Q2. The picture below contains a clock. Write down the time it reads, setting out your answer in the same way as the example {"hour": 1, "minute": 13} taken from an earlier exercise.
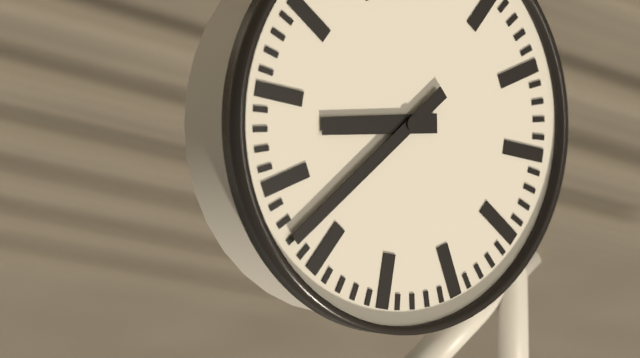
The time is {"hour": 8, "minute": 37}
